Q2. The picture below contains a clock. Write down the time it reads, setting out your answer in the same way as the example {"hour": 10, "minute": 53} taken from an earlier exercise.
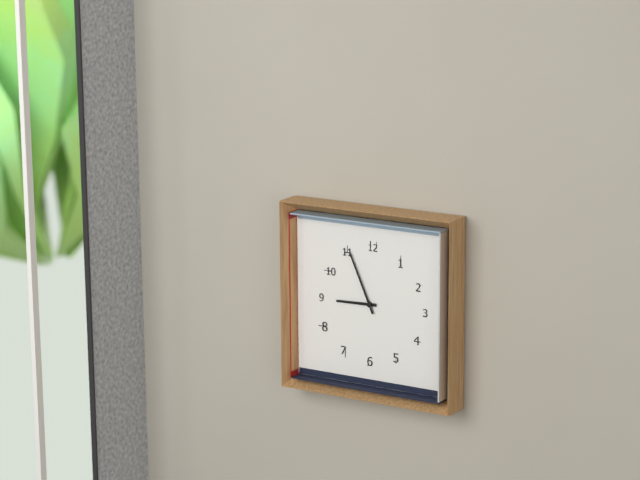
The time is {"hour": 8, "minute": 56}
